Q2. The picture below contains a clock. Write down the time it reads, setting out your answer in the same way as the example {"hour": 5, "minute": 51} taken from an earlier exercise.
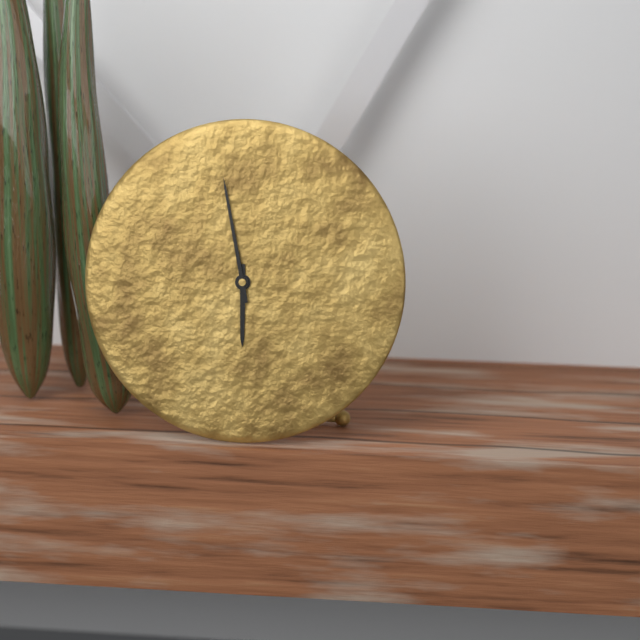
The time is {"hour": 5, "minute": 58}
